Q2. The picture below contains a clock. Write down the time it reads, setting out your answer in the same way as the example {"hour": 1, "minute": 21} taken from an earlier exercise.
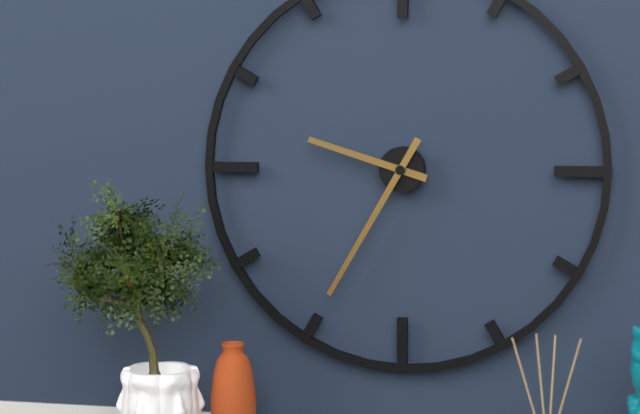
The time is {"hour": 9, "minute": 35}
